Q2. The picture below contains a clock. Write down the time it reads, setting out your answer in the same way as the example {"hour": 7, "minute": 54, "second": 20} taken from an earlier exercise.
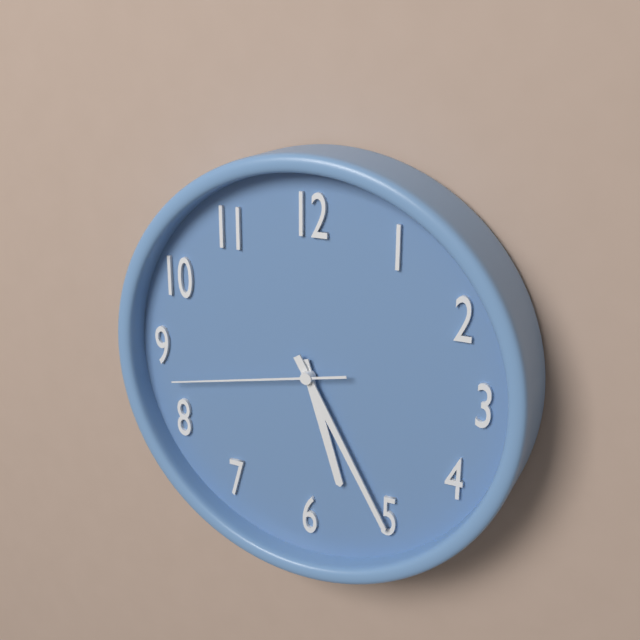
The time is {"hour": 5, "minute": 25, "second": 43}
